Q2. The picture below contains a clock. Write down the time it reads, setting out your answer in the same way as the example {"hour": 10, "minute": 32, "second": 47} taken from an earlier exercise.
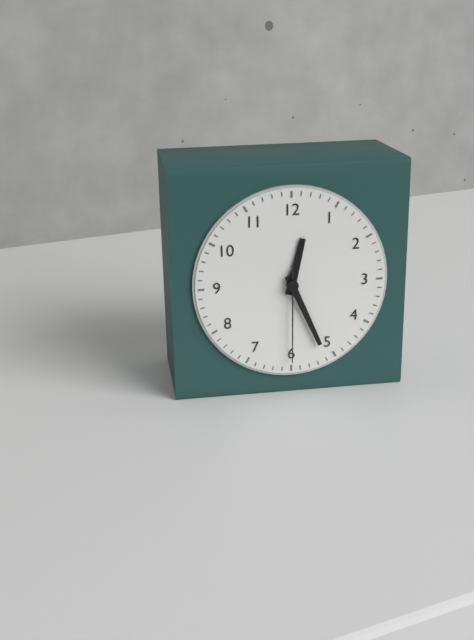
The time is {"hour": 12, "minute": 26, "second": 30}
